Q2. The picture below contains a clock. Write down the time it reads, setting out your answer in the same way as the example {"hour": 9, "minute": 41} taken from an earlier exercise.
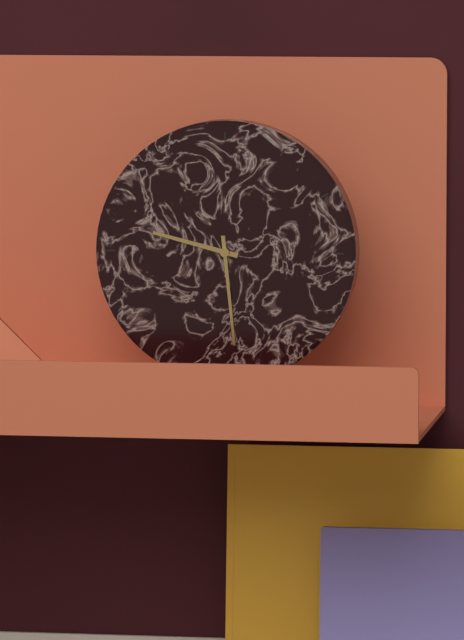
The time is {"hour": 9, "minute": 29}
